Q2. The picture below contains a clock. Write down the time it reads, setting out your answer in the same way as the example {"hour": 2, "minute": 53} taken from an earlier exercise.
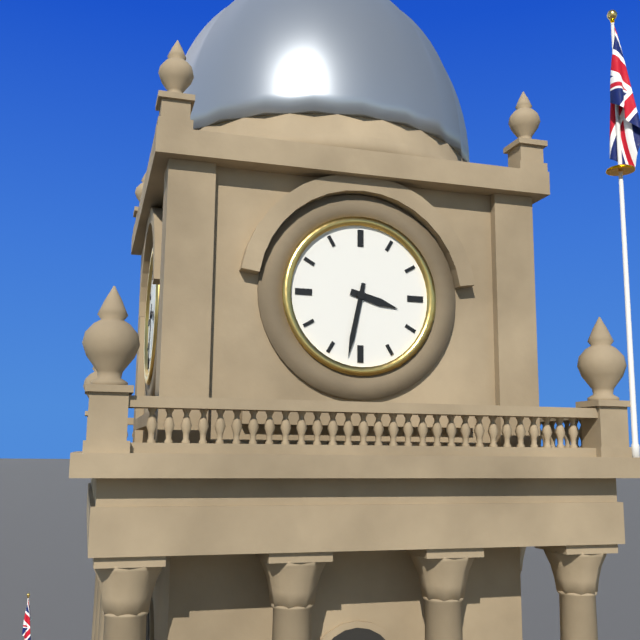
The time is {"hour": 3, "minute": 32}
